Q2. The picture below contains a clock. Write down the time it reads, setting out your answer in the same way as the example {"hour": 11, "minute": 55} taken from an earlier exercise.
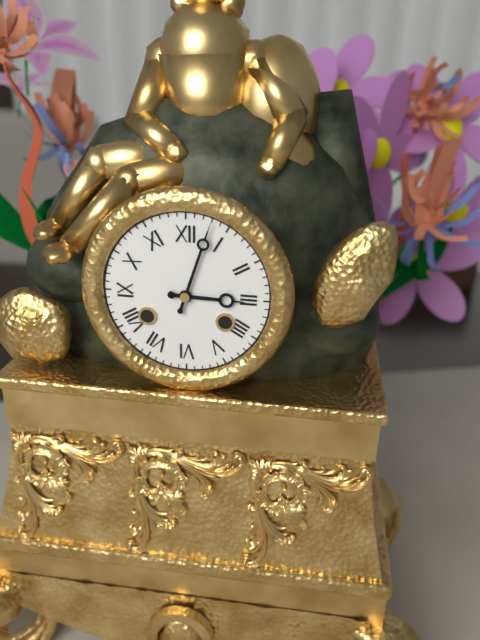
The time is {"hour": 3, "minute": 3}
